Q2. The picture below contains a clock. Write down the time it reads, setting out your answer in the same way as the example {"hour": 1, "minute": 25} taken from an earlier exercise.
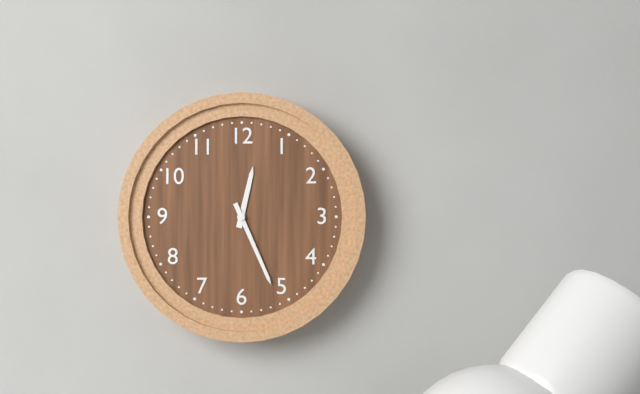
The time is {"hour": 12, "minute": 26}
